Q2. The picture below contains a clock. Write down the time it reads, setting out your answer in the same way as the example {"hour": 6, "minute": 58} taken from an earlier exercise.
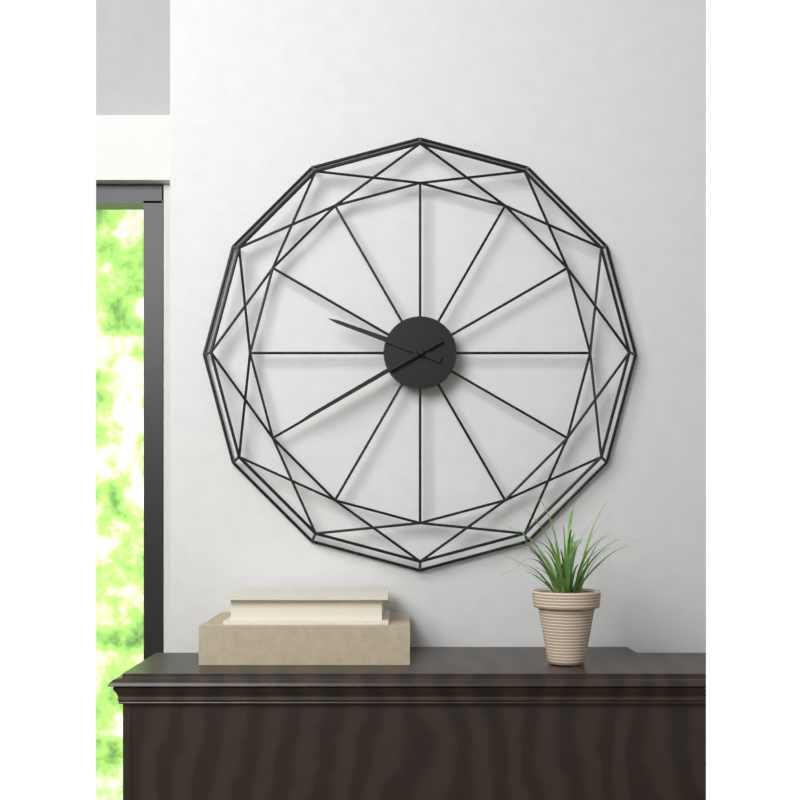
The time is {"hour": 9, "minute": 40}
